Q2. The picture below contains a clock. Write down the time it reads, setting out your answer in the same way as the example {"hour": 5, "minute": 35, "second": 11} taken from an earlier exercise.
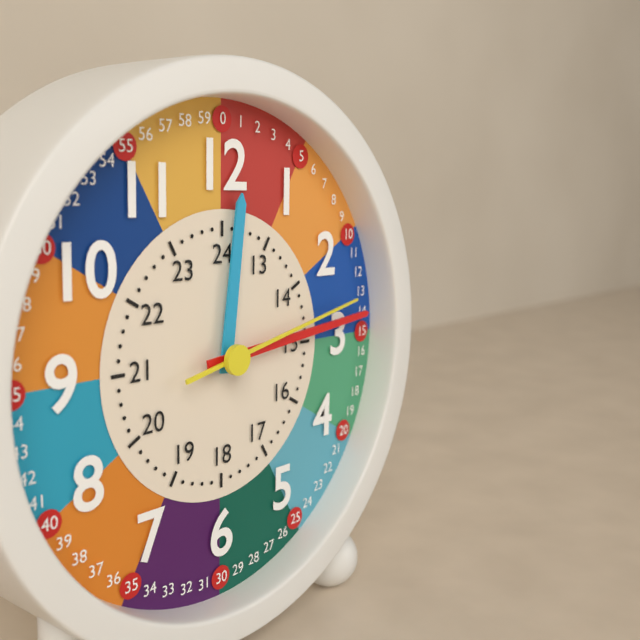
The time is {"hour": 12, "minute": 14, "second": 13}
